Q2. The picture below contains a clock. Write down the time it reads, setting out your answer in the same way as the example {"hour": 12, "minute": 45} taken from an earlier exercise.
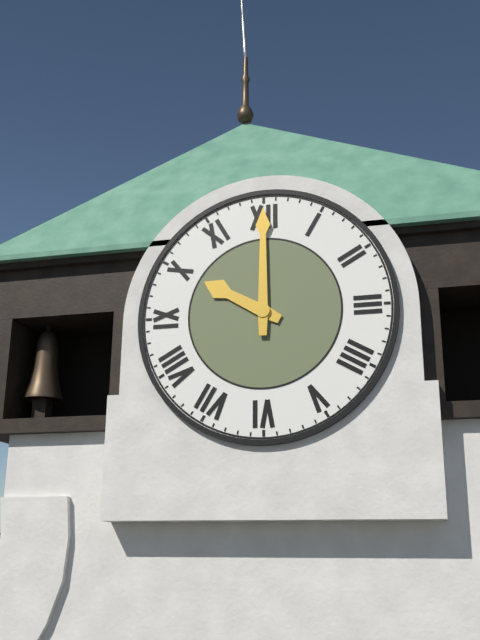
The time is {"hour": 10, "minute": 0}
